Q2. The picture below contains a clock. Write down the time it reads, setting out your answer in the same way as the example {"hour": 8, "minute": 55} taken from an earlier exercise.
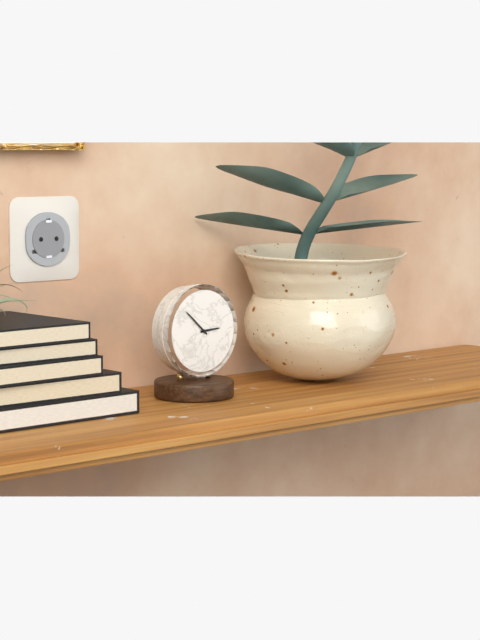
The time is {"hour": 2, "minute": 52}
